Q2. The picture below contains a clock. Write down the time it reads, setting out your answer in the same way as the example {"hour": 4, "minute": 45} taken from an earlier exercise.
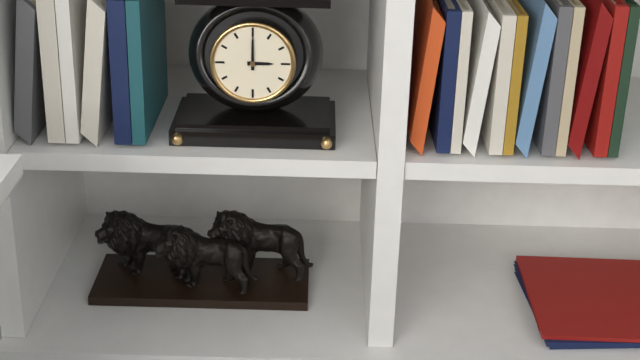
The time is {"hour": 3, "minute": 0}
